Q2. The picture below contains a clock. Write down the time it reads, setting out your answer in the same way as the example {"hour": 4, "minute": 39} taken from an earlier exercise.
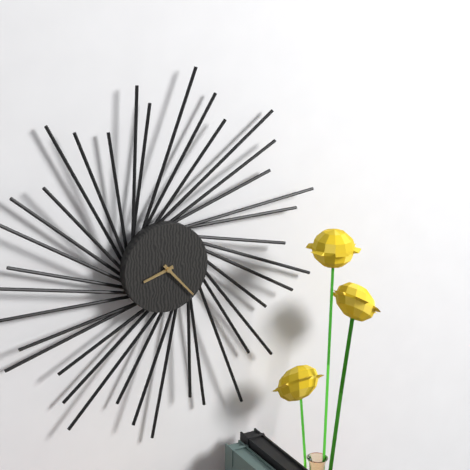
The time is {"hour": 8, "minute": 23}
